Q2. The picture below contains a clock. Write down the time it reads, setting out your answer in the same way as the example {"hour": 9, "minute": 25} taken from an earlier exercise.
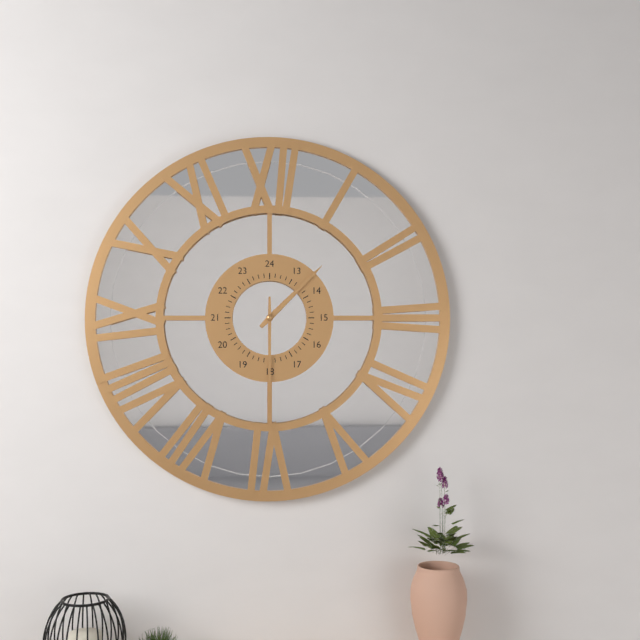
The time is {"hour": 1, "minute": 30}
